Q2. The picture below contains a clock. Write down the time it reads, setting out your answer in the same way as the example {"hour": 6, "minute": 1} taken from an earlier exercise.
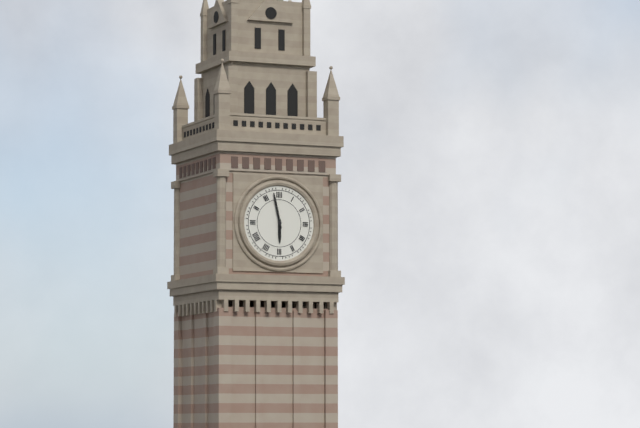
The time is {"hour": 5, "minute": 58}
